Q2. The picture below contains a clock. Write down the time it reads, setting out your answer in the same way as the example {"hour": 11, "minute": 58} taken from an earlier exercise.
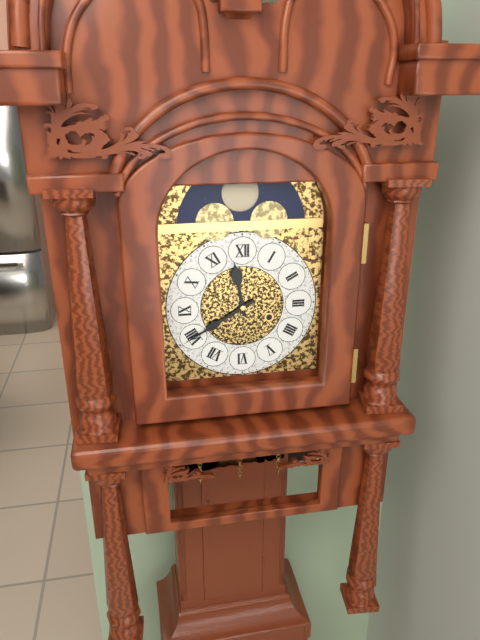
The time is {"hour": 11, "minute": 40}
